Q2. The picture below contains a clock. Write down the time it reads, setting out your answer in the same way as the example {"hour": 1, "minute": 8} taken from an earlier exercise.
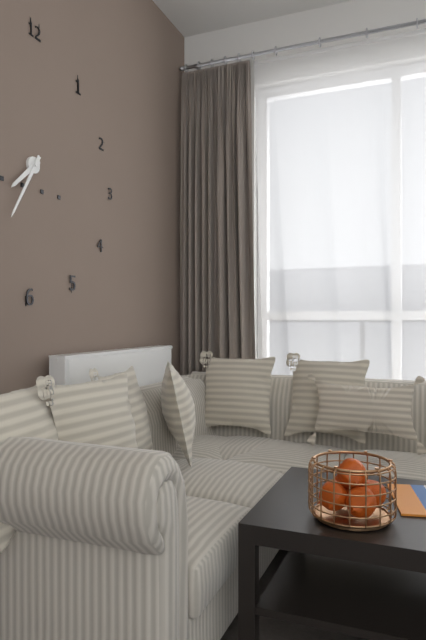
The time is {"hour": 7, "minute": 35}
